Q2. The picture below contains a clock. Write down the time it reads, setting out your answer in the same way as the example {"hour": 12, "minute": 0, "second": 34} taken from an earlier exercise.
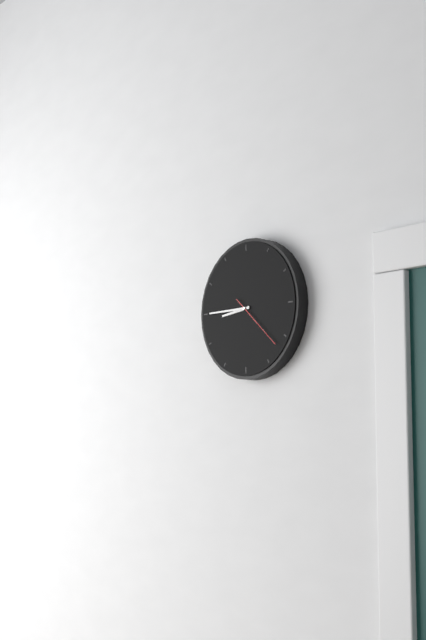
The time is {"hour": 8, "minute": 45, "second": 22}
